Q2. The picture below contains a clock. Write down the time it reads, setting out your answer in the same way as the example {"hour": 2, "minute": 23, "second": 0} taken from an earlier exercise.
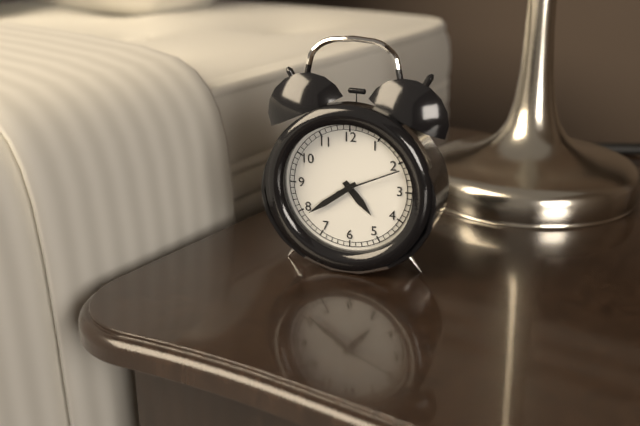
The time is {"hour": 4, "minute": 39, "second": 11}
